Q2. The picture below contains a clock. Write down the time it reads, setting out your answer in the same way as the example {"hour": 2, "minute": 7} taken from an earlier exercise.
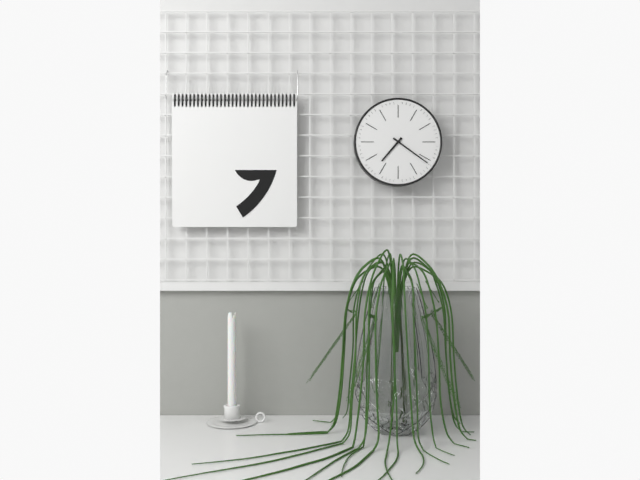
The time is {"hour": 7, "minute": 21}
